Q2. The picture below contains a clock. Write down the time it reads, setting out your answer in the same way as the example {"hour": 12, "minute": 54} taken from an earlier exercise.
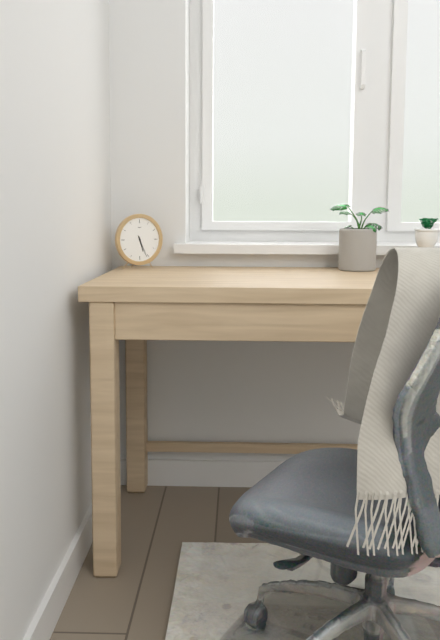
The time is {"hour": 5, "minute": 26}
